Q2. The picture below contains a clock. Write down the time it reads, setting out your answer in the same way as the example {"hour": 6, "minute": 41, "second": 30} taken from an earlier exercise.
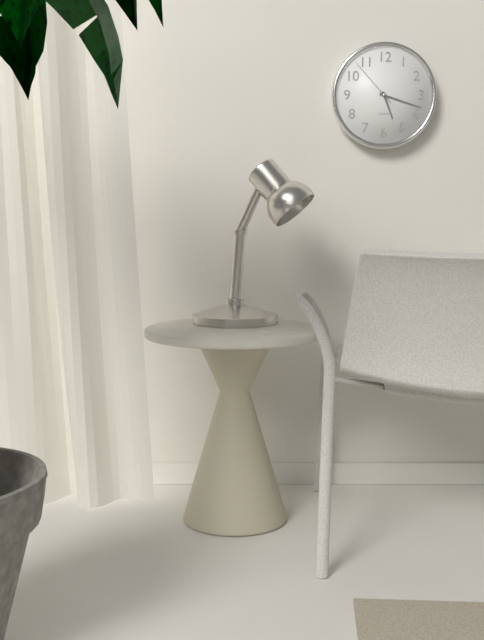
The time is {"hour": 5, "minute": 18, "second": 53}
